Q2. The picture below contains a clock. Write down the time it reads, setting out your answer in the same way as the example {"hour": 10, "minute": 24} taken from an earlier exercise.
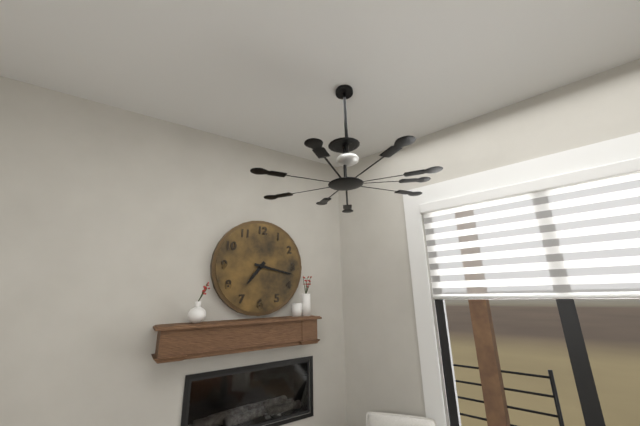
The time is {"hour": 7, "minute": 17}
